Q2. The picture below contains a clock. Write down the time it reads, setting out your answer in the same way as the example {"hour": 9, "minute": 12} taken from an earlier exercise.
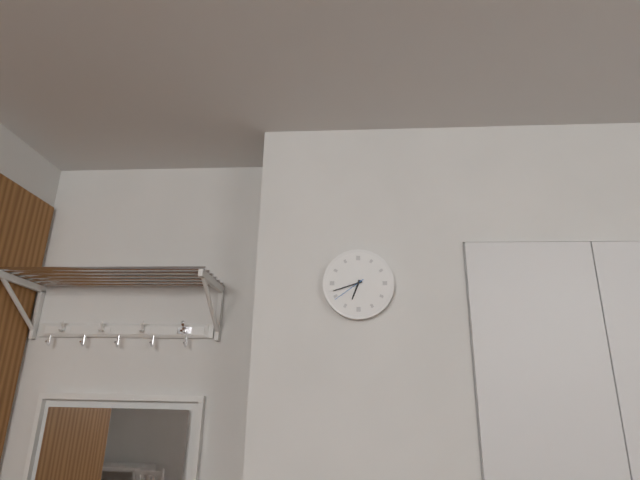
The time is {"hour": 6, "minute": 42}
